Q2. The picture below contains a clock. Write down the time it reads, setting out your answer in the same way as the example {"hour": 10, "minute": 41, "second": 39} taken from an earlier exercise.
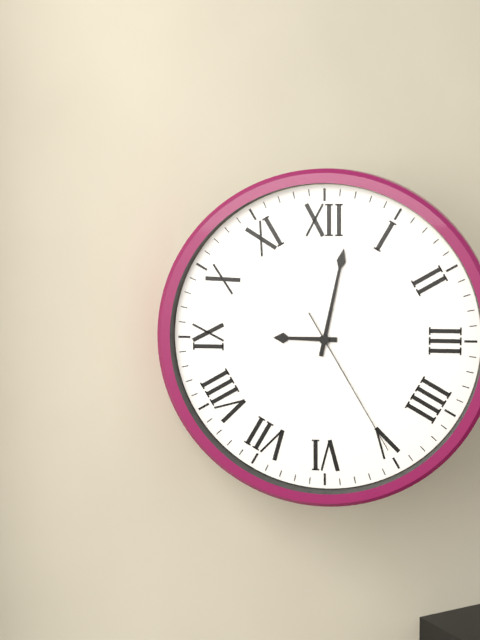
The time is {"hour": 9, "minute": 2, "second": 25}
